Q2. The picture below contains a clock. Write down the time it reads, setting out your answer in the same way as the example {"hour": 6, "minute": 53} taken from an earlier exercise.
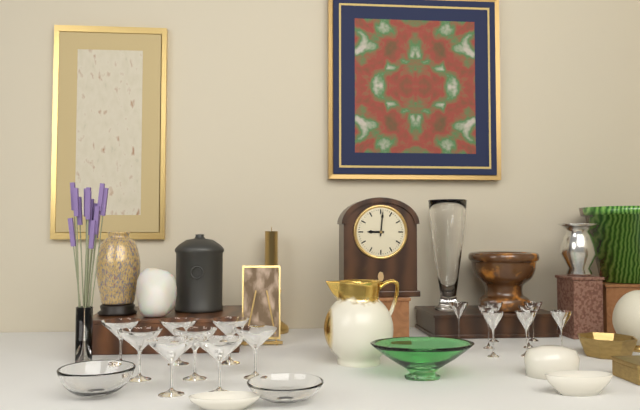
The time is {"hour": 9, "minute": 1}
